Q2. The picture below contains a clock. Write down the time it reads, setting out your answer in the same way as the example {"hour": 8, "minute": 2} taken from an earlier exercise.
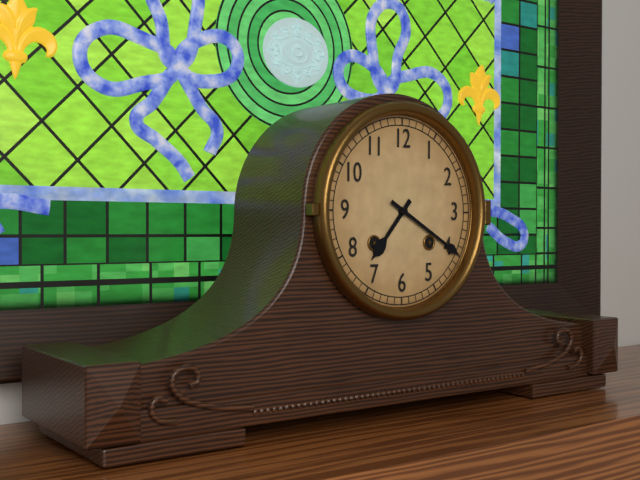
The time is {"hour": 7, "minute": 20}
